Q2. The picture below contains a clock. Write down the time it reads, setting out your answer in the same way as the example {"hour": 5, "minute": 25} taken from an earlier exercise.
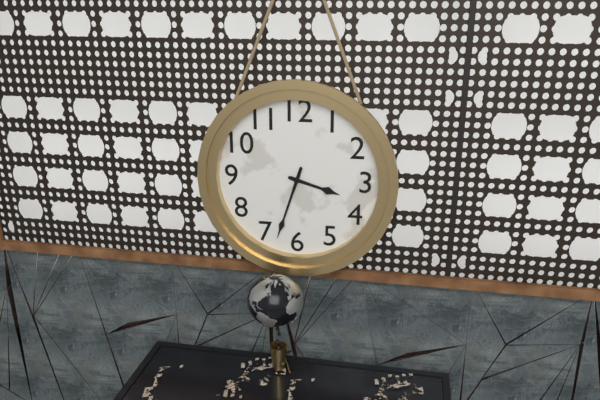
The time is {"hour": 3, "minute": 33}
